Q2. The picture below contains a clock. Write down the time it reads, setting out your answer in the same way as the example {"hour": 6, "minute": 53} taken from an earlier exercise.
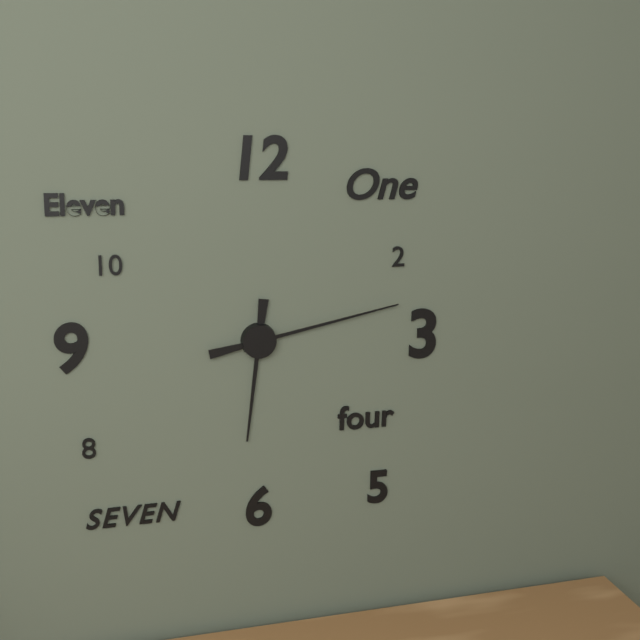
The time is {"hour": 6, "minute": 13}
